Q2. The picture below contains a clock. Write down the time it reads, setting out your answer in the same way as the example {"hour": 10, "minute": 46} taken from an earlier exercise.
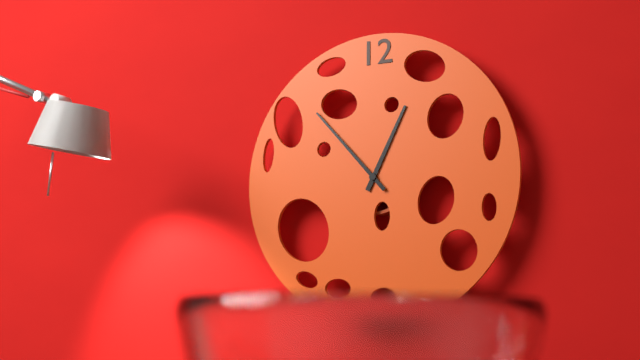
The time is {"hour": 12, "minute": 53}
